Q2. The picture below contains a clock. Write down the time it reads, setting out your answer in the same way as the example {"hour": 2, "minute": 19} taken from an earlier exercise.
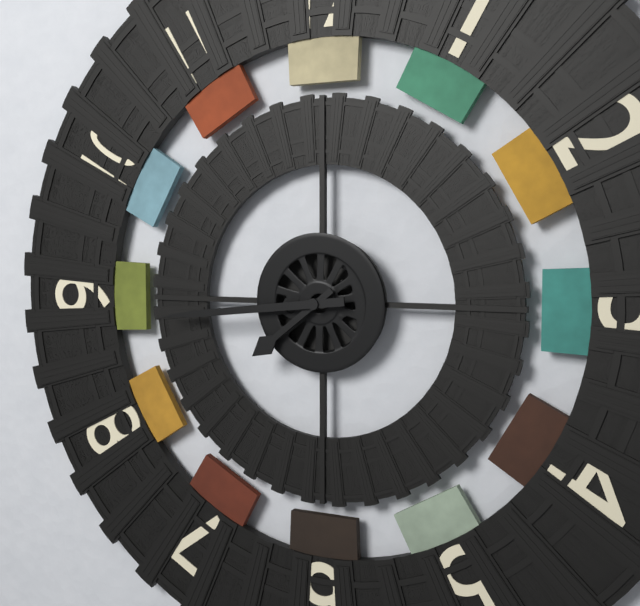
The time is {"hour": 7, "minute": 44}
